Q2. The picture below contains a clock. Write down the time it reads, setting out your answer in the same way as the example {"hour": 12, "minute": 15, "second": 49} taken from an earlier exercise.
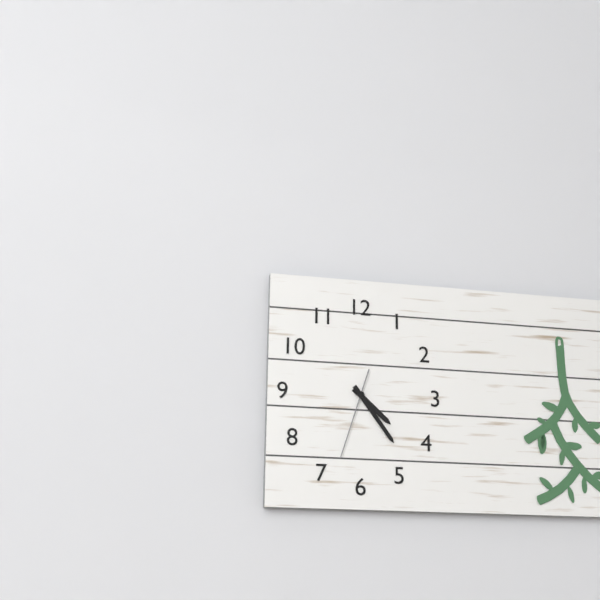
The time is {"hour": 4, "minute": 24, "second": 33}
